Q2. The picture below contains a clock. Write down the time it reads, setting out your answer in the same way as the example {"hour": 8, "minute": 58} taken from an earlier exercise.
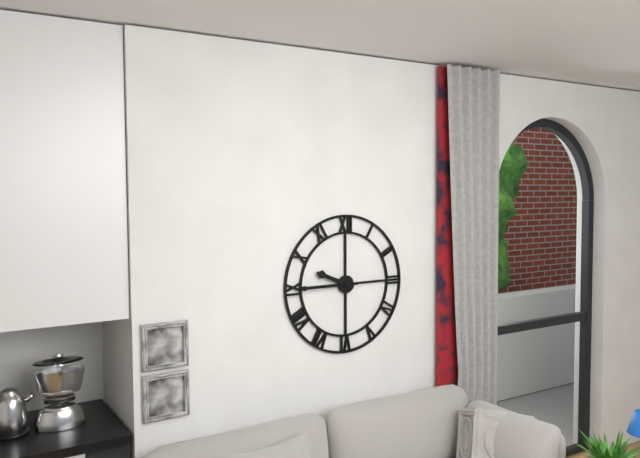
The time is {"hour": 9, "minute": 45}
